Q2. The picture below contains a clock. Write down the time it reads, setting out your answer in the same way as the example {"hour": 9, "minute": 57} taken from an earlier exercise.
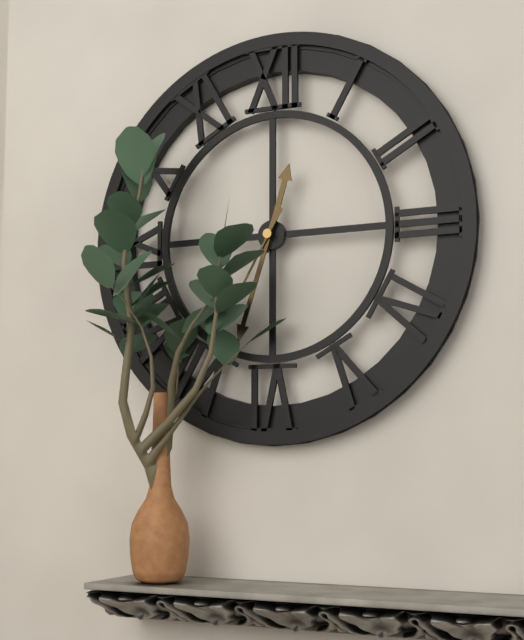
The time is {"hour": 12, "minute": 33}
